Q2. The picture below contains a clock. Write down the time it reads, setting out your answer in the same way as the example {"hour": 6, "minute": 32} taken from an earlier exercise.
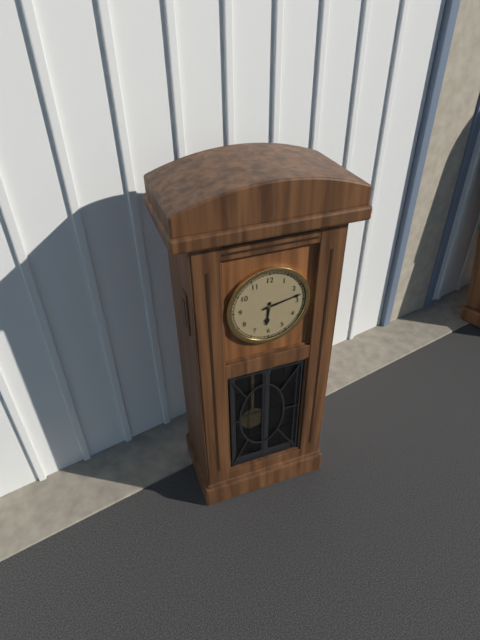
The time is {"hour": 6, "minute": 13}
